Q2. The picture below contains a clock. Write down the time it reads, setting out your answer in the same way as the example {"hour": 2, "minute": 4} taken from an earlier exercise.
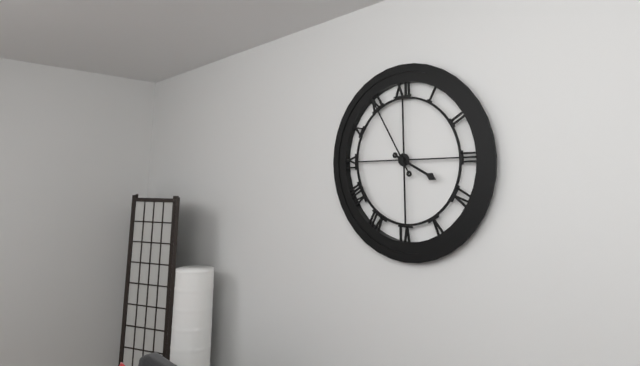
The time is {"hour": 3, "minute": 55}
